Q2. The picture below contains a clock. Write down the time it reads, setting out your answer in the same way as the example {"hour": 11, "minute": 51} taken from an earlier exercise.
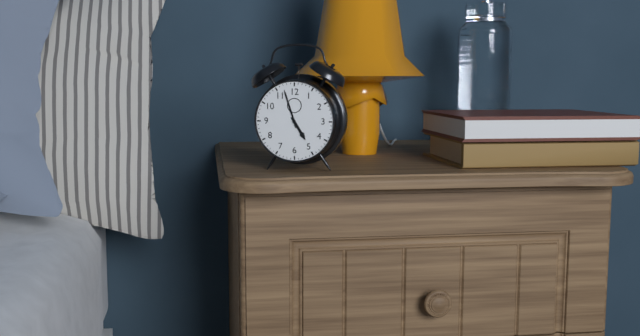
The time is {"hour": 4, "minute": 57}
